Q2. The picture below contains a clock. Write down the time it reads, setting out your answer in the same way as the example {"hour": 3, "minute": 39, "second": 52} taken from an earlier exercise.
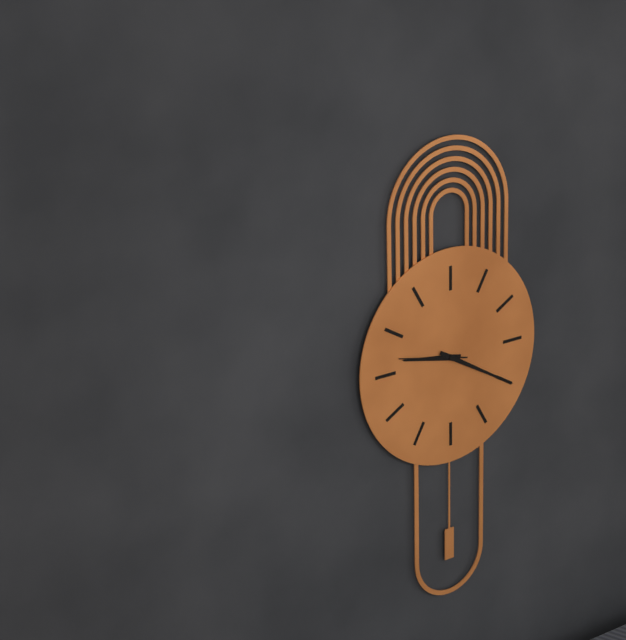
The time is {"hour": 9, "minute": 20, "second": 47}
